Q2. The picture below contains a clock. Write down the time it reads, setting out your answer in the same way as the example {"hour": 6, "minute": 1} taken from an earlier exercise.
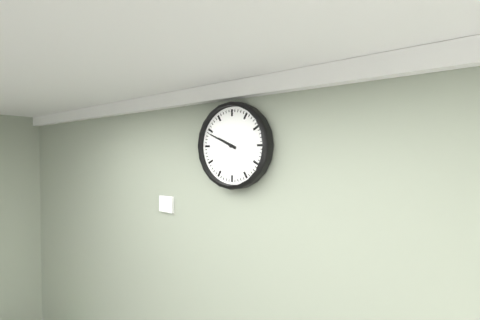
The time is {"hour": 9, "minute": 49}
